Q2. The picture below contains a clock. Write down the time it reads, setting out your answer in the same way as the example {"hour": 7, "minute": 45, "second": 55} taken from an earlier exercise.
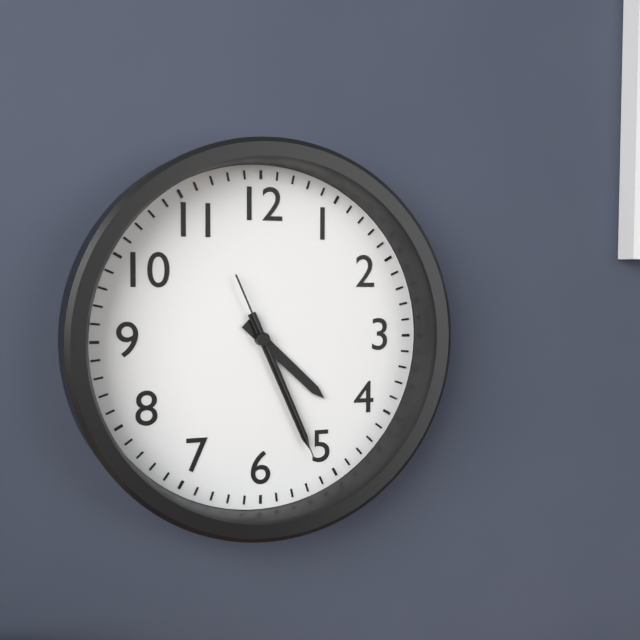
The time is {"hour": 4, "minute": 26, "second": 26}
